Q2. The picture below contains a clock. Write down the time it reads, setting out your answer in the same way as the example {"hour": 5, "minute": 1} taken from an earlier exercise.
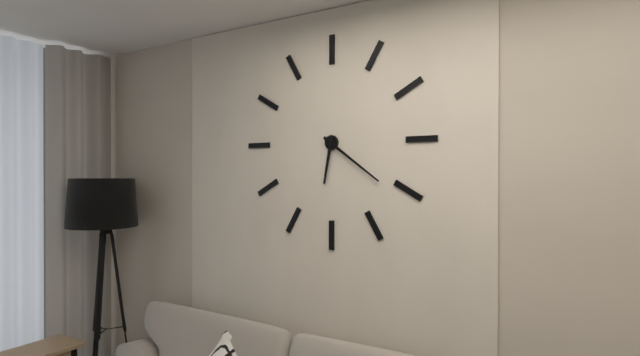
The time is {"hour": 6, "minute": 21}
